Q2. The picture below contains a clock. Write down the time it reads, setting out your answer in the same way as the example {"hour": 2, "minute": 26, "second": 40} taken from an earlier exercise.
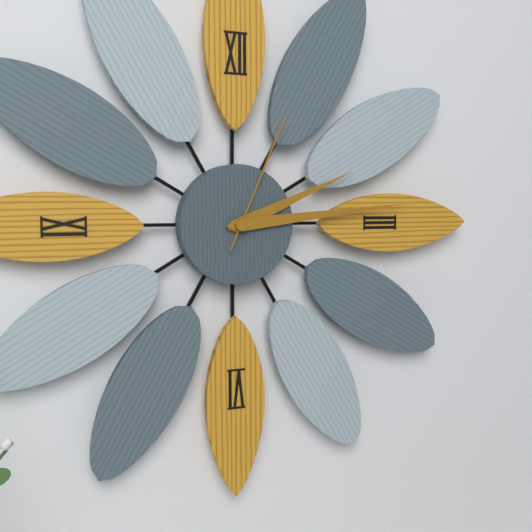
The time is {"hour": 2, "minute": 14, "second": 4}
